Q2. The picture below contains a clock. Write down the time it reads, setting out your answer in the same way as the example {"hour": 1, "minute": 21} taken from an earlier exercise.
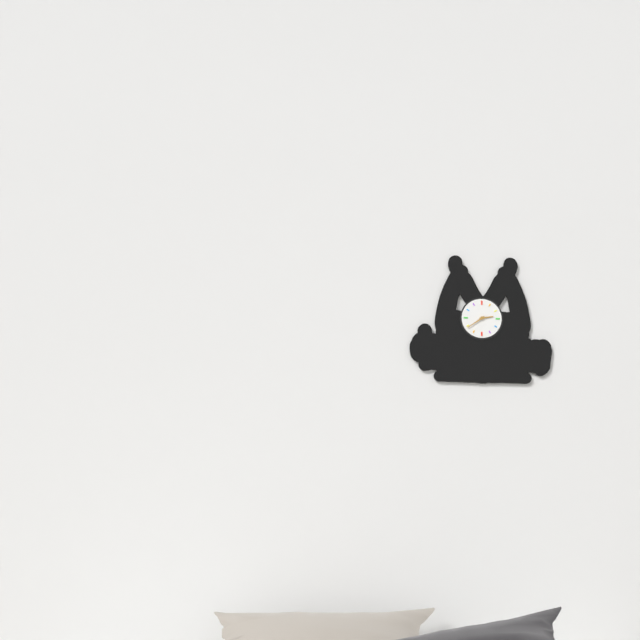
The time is {"hour": 2, "minute": 39}
